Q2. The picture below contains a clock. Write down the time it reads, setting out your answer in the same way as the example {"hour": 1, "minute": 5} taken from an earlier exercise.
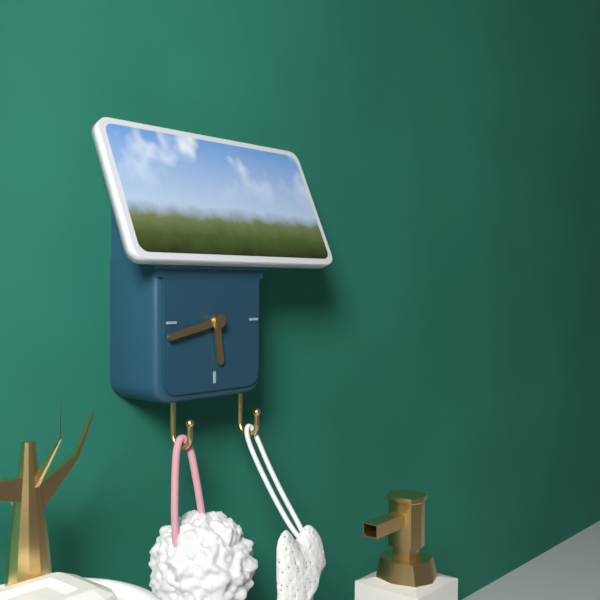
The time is {"hour": 5, "minute": 43}
